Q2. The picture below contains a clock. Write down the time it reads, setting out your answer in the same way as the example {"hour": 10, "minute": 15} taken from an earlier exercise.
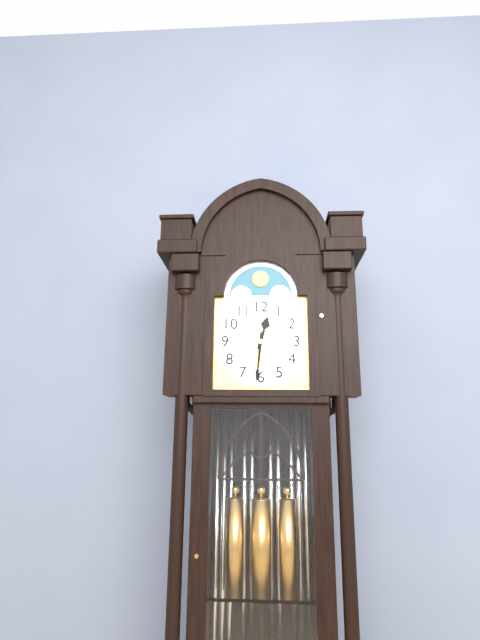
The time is {"hour": 12, "minute": 31}
